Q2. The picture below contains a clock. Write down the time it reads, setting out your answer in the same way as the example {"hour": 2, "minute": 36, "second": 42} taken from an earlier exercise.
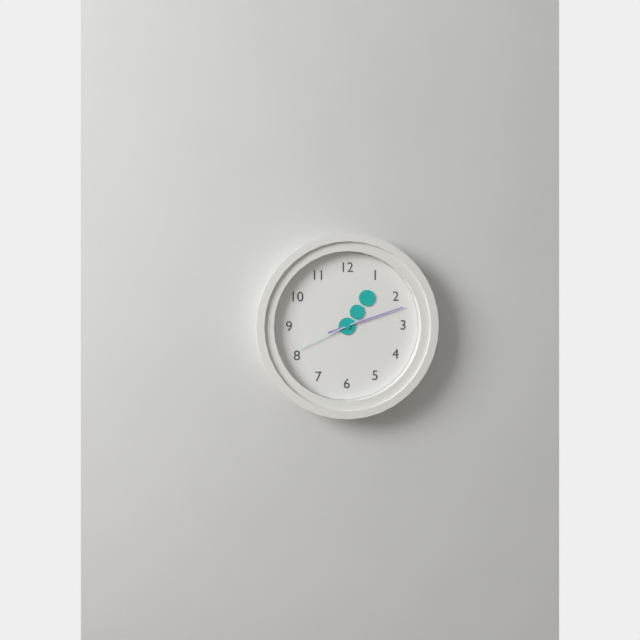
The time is {"hour": 1, "minute": 12, "second": 41}
